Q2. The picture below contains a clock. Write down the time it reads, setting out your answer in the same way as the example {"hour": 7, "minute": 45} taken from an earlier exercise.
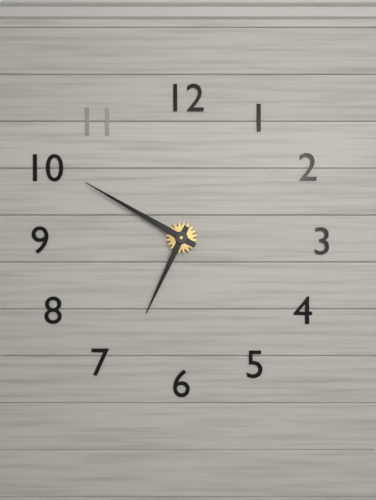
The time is {"hour": 6, "minute": 50}
